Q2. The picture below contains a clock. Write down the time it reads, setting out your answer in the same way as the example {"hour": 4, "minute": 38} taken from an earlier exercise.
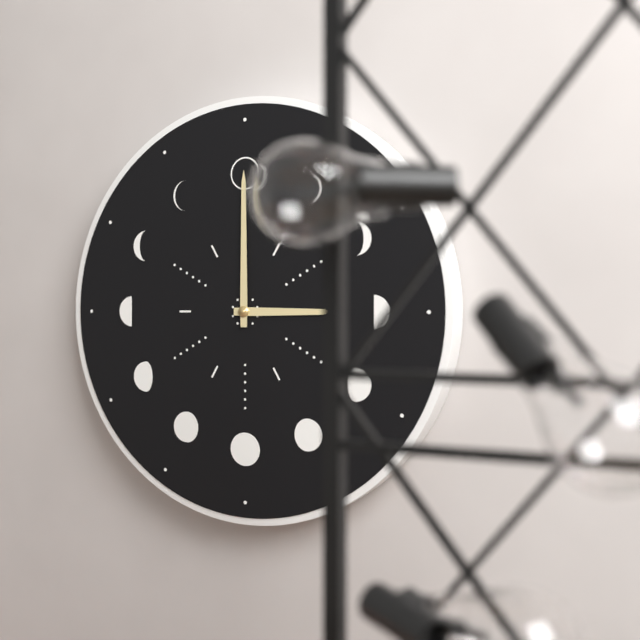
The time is {"hour": 3, "minute": 0}
